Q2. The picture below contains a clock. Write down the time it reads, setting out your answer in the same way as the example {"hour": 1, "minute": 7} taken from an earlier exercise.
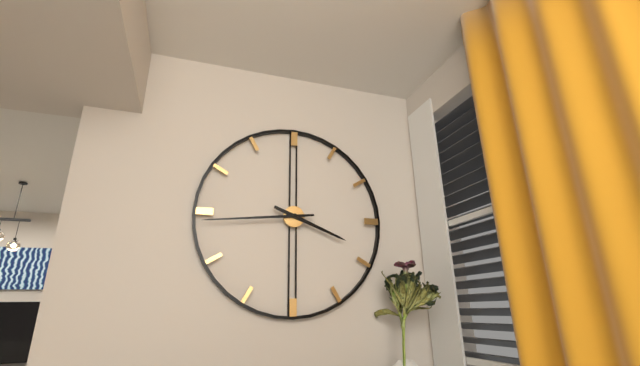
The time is {"hour": 3, "minute": 44}
